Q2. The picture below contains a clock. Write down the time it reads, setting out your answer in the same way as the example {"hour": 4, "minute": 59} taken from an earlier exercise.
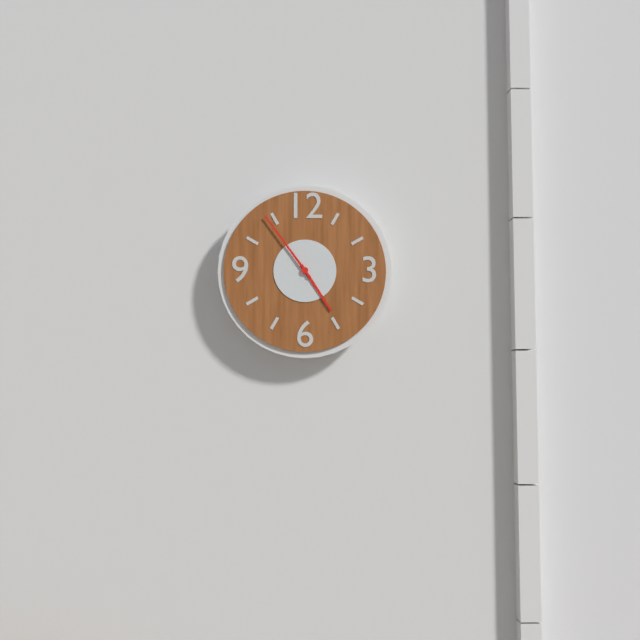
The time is {"hour": 4, "minute": 54}
